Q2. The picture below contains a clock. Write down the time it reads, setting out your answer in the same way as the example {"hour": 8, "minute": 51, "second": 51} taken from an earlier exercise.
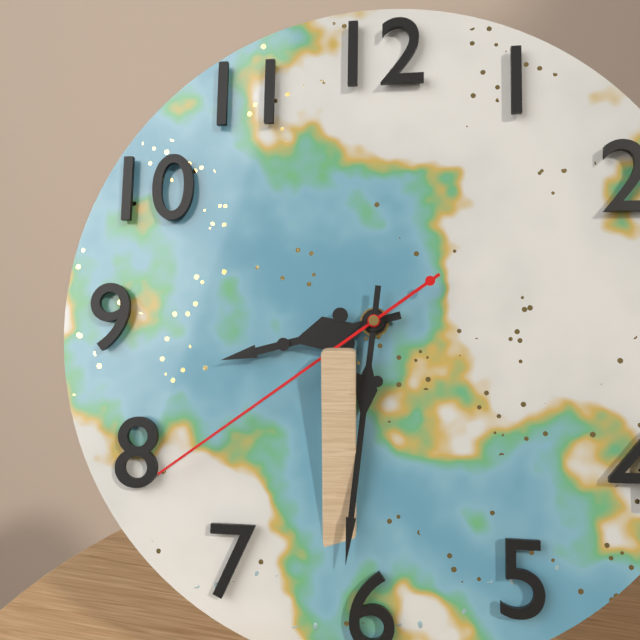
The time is {"hour": 8, "minute": 31, "second": 39}
